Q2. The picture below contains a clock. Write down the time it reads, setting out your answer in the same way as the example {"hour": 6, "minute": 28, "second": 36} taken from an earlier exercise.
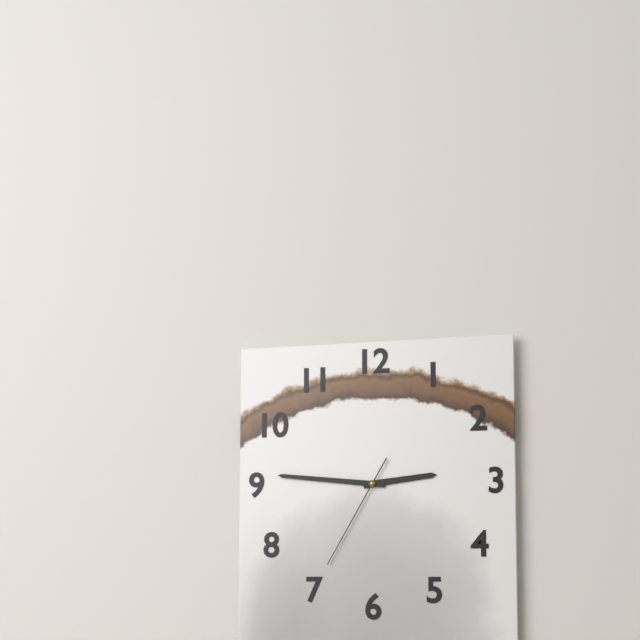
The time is {"hour": 2, "minute": 46, "second": 35}
